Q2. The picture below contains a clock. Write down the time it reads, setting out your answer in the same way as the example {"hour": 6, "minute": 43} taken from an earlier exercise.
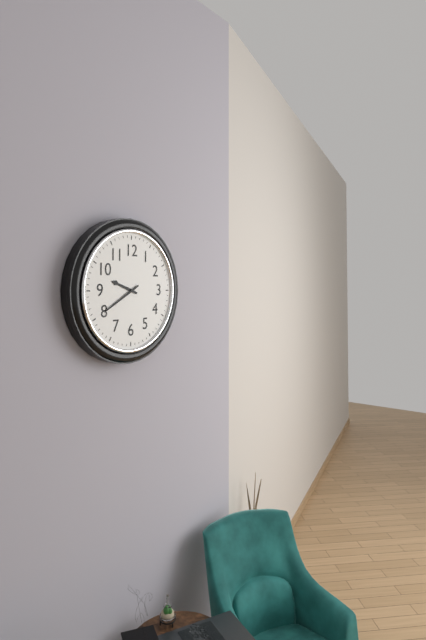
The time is {"hour": 9, "minute": 40}
